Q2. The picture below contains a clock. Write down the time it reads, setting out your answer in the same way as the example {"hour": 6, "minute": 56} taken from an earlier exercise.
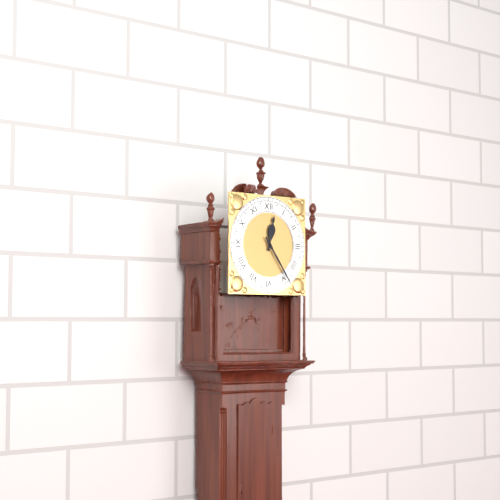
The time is {"hour": 12, "minute": 24}
